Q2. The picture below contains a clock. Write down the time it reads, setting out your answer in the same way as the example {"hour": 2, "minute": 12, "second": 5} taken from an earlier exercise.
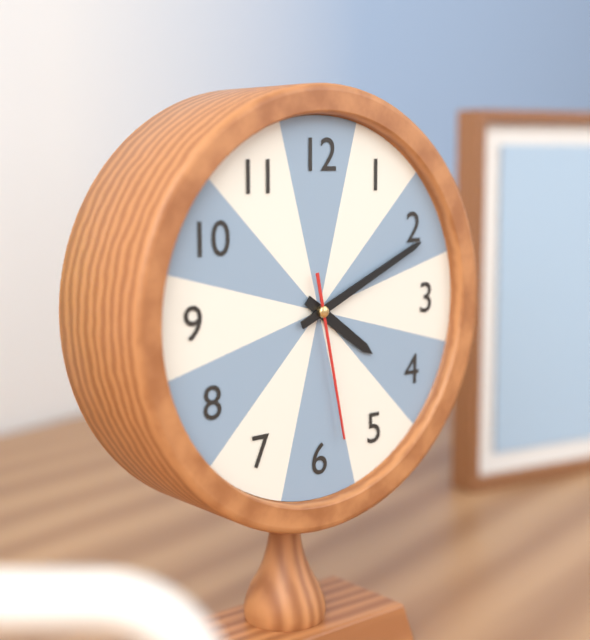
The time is {"hour": 4, "minute": 11, "second": 28}
